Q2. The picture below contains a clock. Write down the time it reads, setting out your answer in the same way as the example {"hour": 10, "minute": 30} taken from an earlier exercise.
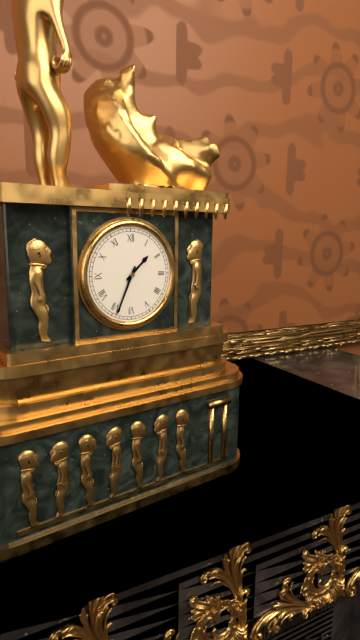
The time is {"hour": 1, "minute": 34}
